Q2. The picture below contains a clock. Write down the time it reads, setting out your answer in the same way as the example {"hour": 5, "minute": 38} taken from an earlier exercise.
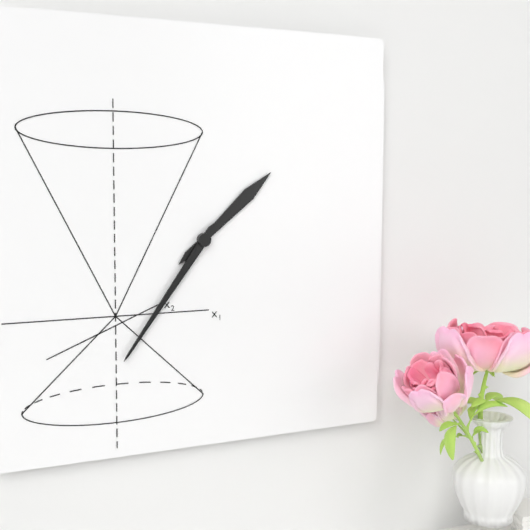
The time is {"hour": 1, "minute": 36}
